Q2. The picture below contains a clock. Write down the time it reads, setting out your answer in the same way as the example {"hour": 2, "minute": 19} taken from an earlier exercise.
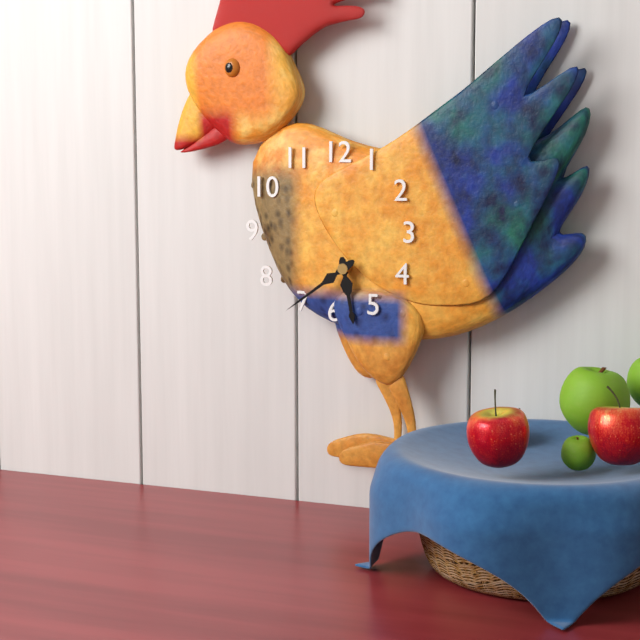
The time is {"hour": 5, "minute": 39}
